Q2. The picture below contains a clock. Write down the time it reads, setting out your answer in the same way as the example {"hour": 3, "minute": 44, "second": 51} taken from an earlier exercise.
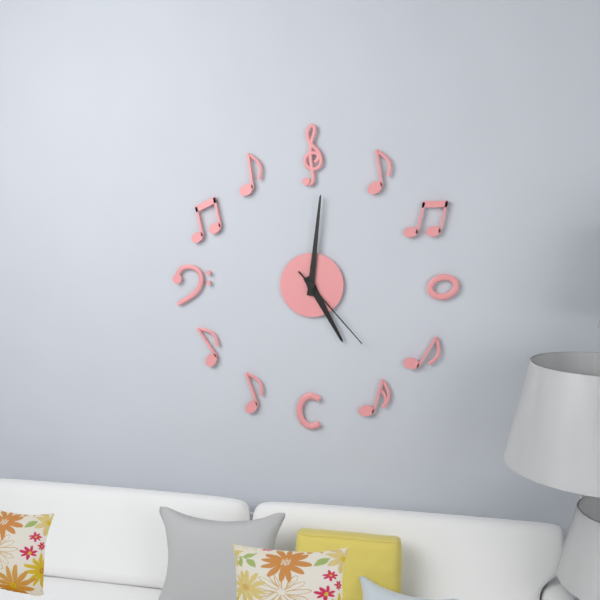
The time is {"hour": 5, "minute": 1, "second": 23}
